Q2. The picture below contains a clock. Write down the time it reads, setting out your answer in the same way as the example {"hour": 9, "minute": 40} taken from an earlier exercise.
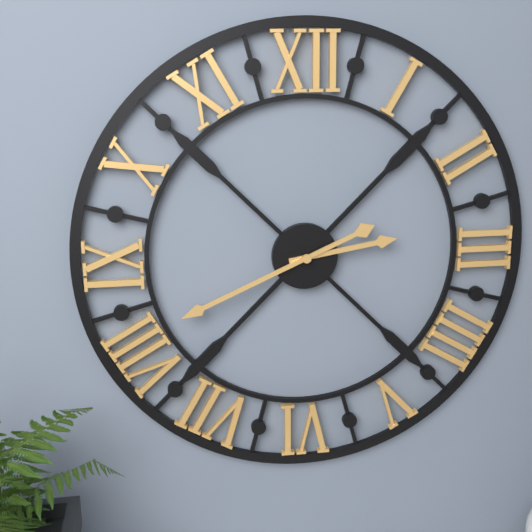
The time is {"hour": 2, "minute": 41}
